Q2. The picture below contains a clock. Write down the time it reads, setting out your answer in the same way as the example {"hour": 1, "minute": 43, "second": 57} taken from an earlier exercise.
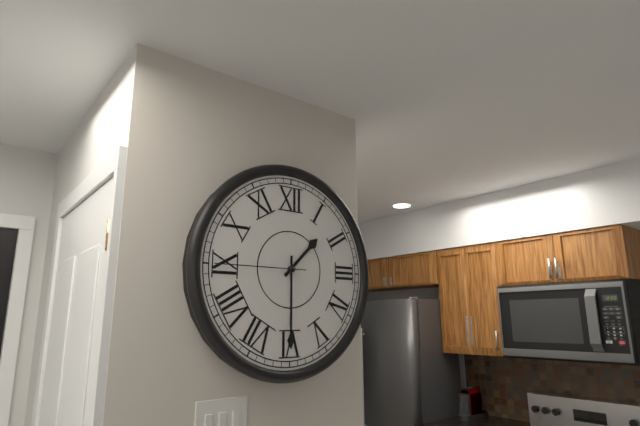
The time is {"hour": 1, "minute": 30, "second": 45}
